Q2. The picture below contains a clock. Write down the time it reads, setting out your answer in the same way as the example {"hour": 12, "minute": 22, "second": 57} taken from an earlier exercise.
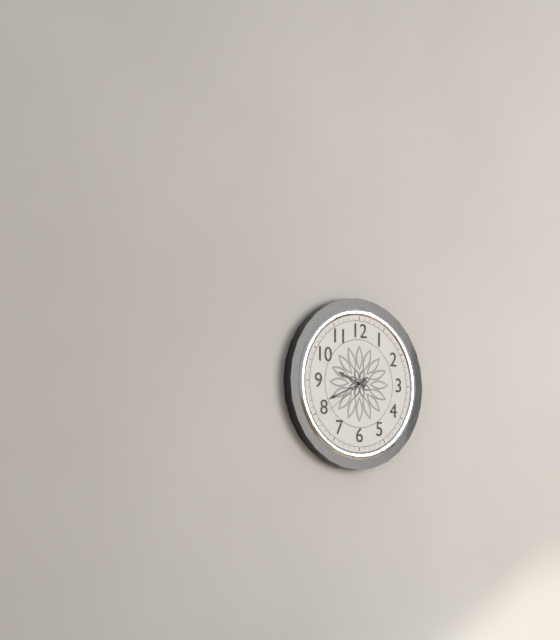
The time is {"hour": 9, "minute": 41, "second": 39}
